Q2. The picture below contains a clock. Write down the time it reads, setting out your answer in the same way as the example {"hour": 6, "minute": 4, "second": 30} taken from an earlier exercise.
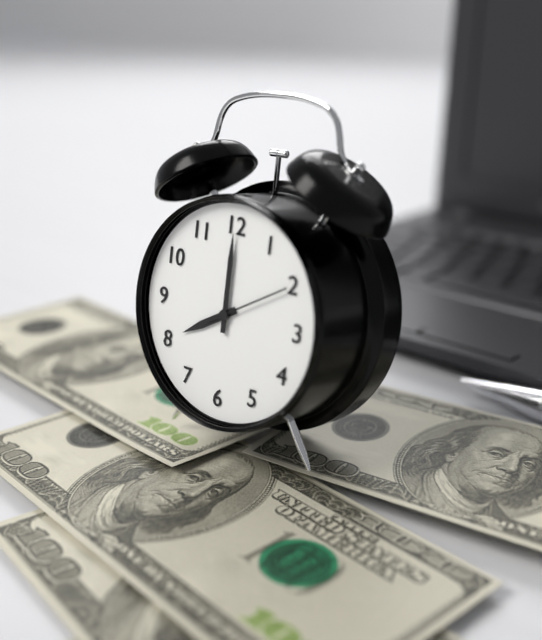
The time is {"hour": 8, "minute": 0, "second": 10}
